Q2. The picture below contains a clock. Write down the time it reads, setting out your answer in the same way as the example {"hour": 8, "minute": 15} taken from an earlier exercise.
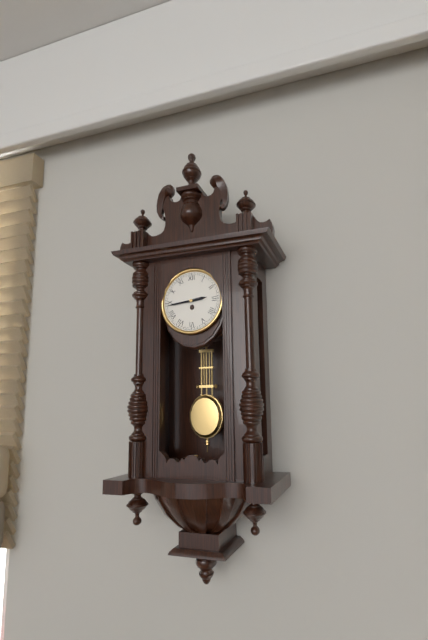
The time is {"hour": 2, "minute": 44}
